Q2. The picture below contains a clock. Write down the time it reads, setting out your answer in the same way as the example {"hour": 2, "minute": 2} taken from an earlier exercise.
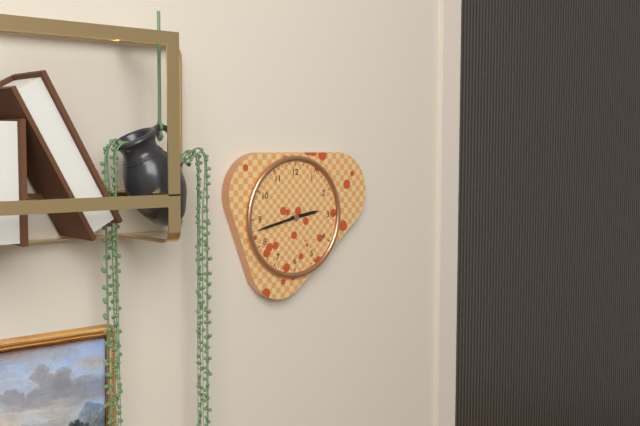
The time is {"hour": 2, "minute": 43}
